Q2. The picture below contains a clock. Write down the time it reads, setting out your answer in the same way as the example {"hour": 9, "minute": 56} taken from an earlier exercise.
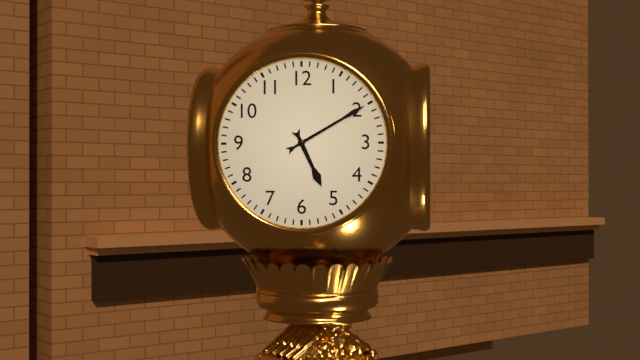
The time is {"hour": 5, "minute": 10}
